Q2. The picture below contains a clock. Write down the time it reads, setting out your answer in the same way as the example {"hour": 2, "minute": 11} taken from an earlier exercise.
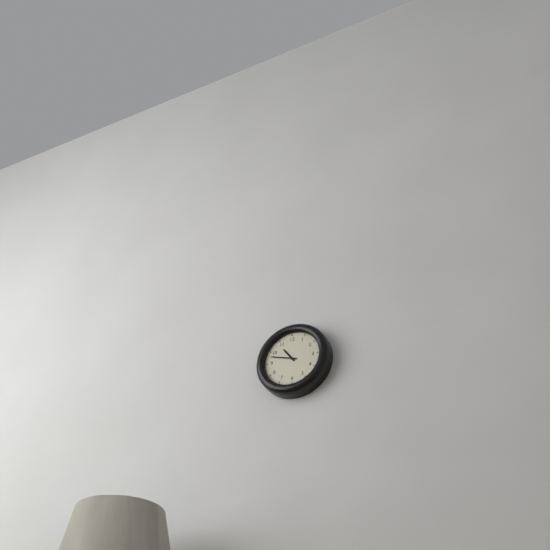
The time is {"hour": 10, "minute": 48}
